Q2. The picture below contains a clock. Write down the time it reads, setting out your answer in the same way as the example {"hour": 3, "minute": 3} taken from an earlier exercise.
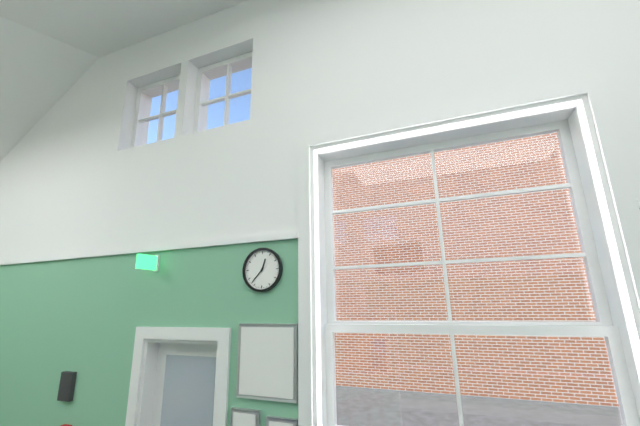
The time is {"hour": 12, "minute": 37}
